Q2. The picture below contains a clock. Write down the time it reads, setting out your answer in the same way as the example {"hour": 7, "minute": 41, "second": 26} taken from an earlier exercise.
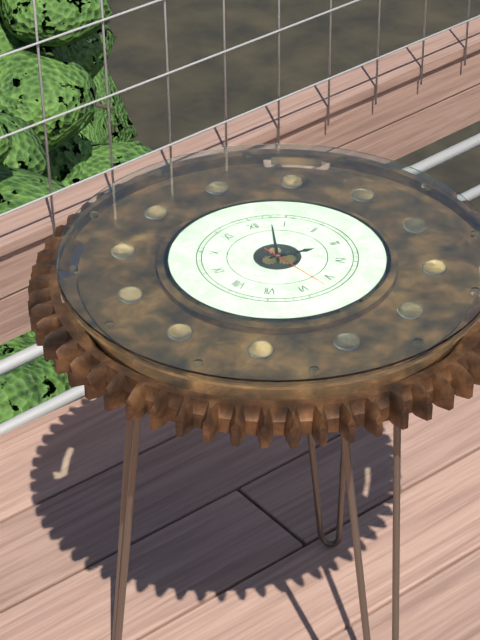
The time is {"hour": 3, "minute": 3, "second": 27}
